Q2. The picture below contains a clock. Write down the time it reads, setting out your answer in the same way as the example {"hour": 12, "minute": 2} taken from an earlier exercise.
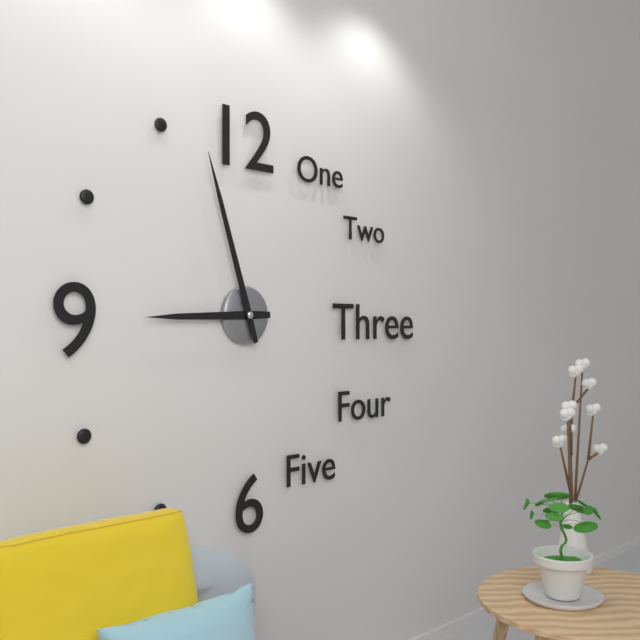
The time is {"hour": 8, "minute": 57}
